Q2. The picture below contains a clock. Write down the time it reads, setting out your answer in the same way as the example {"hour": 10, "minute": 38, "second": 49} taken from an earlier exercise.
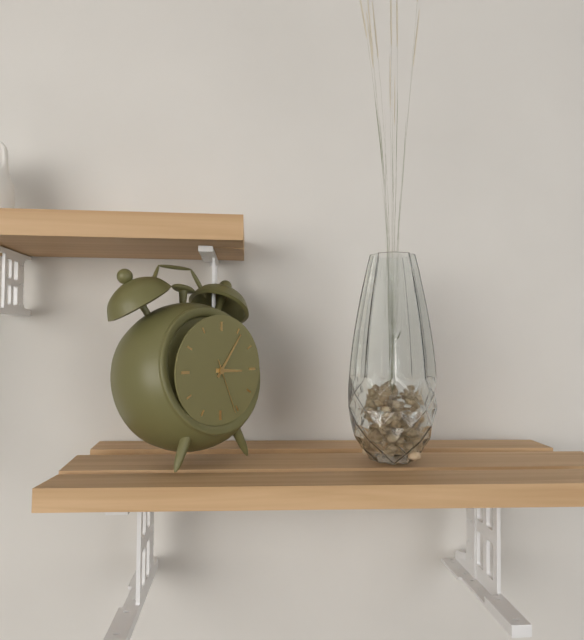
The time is {"hour": 3, "minute": 6, "second": 26}
